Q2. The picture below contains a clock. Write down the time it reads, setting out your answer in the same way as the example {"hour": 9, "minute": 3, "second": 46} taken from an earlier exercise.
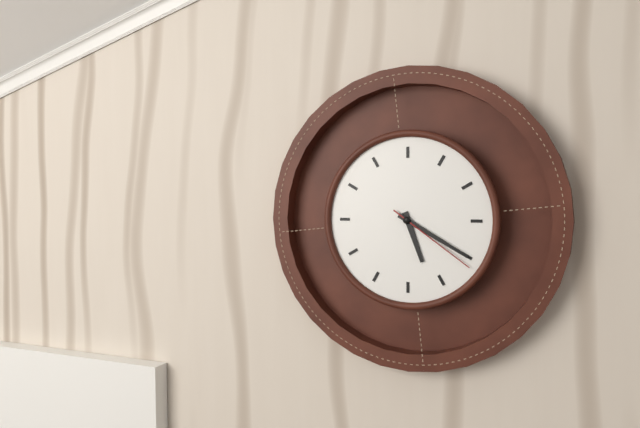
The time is {"hour": 5, "minute": 20, "second": 21}
